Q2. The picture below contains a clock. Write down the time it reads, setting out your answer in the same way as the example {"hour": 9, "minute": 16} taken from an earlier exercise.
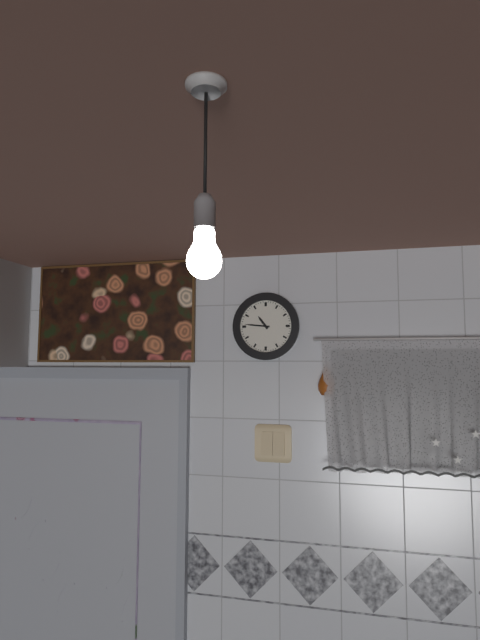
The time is {"hour": 10, "minute": 46}
